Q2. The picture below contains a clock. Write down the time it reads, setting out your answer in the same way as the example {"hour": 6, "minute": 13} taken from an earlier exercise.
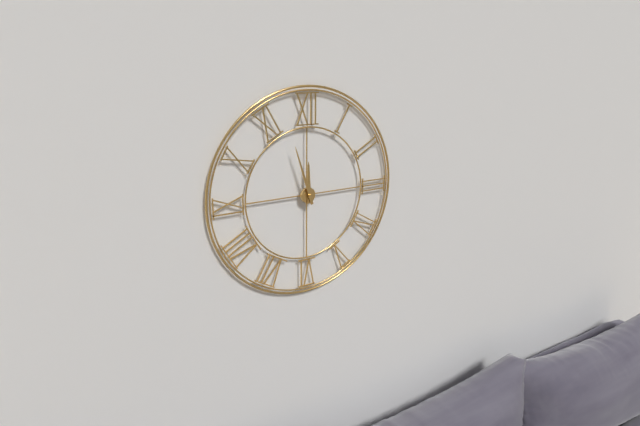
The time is {"hour": 11, "minute": 57}
